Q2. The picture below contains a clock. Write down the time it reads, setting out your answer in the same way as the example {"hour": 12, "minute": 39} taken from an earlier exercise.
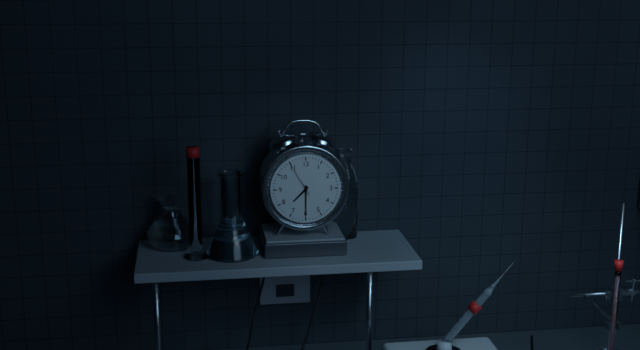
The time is {"hour": 7, "minute": 30}
